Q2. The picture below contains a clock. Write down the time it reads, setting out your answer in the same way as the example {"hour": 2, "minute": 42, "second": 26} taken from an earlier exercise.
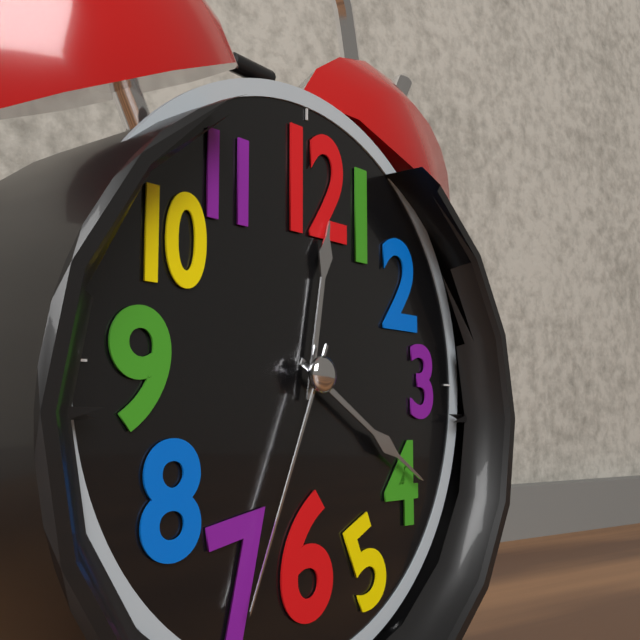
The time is {"hour": 12, "minute": 20, "second": 34}
